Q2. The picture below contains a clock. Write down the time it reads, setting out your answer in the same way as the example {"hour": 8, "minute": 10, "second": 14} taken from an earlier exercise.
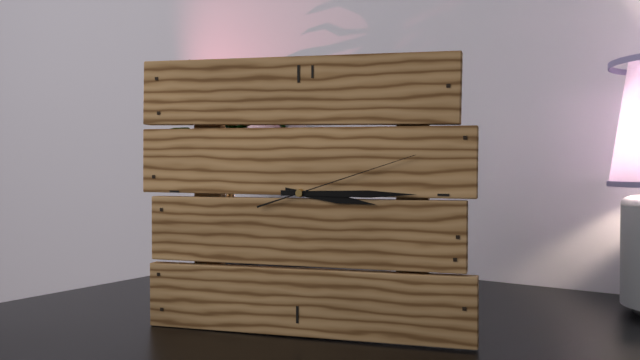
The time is {"hour": 3, "minute": 15, "second": 12}
